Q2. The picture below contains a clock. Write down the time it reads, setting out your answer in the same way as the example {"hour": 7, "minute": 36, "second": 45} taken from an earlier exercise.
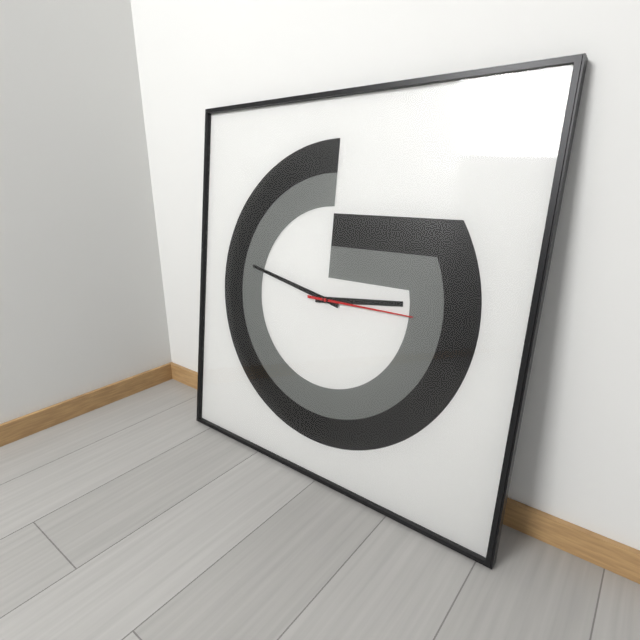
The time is {"hour": 2, "minute": 47, "second": 15}
